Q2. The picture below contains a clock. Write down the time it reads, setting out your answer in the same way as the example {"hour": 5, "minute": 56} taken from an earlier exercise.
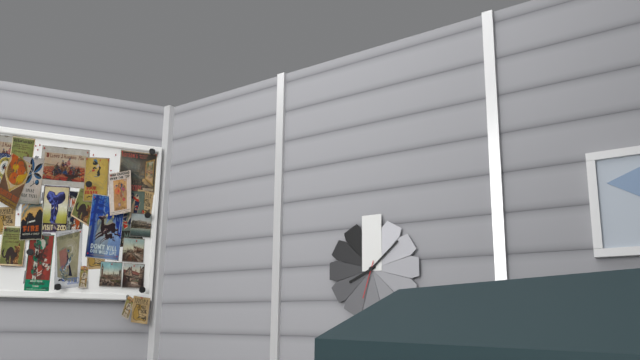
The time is {"hour": 8, "minute": 8}
